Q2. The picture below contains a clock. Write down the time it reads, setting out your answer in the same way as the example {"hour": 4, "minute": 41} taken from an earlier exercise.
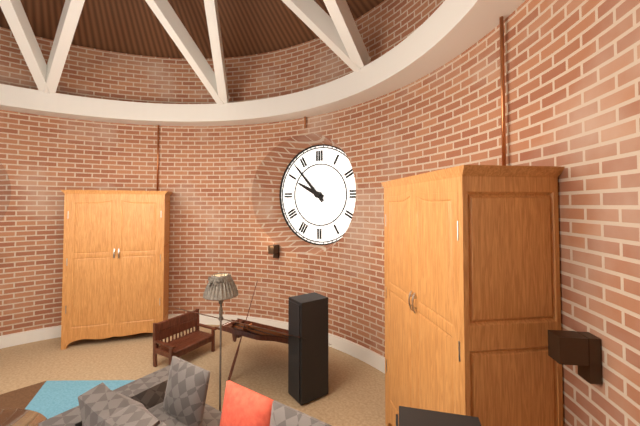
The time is {"hour": 9, "minute": 53}
